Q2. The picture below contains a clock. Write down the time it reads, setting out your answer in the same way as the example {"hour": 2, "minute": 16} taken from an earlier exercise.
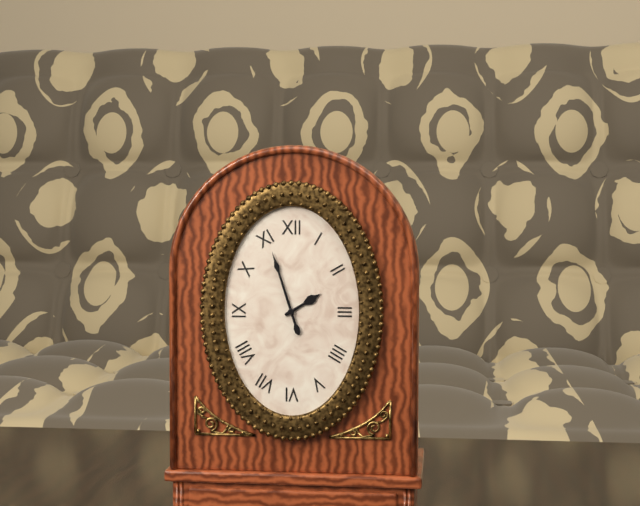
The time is {"hour": 1, "minute": 57}
